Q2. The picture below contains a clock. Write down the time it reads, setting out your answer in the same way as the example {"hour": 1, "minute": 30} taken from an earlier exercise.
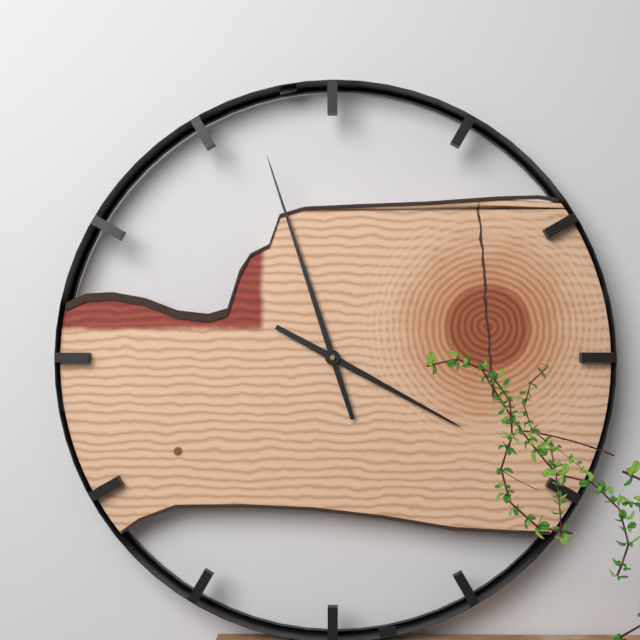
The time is {"hour": 3, "minute": 57}
